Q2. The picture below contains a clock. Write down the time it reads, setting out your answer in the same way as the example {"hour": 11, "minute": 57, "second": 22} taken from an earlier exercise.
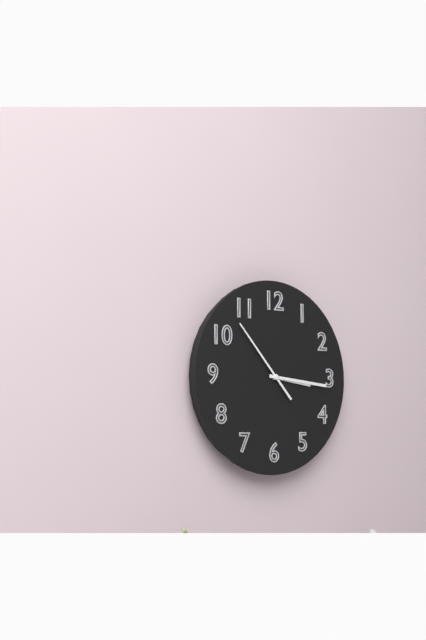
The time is {"hour": 3, "minute": 16, "second": 53}
